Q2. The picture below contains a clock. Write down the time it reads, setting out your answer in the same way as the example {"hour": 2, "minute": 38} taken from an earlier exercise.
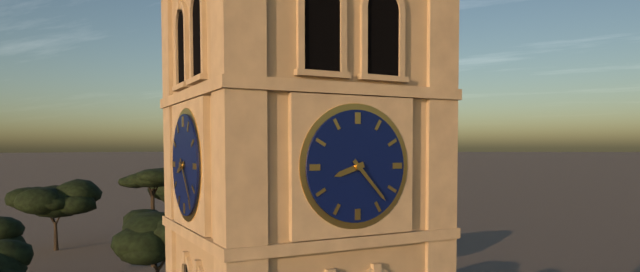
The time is {"hour": 8, "minute": 23}
